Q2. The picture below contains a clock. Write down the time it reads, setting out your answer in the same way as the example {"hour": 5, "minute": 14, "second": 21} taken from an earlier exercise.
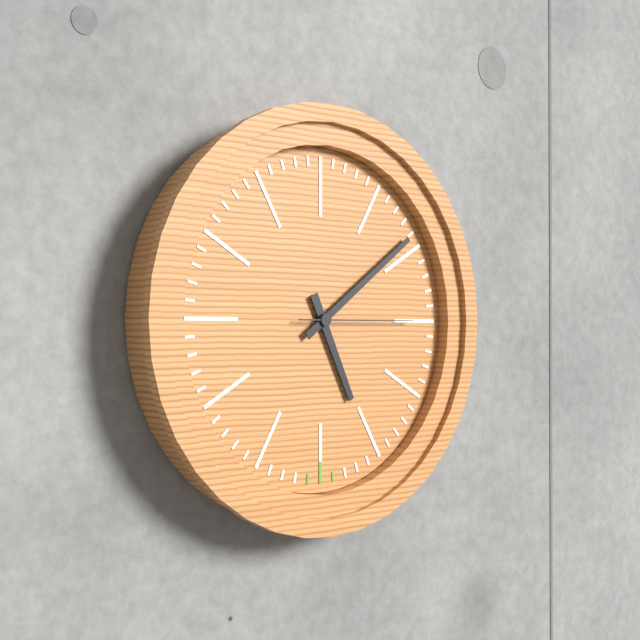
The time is {"hour": 5, "minute": 9, "second": 15}
